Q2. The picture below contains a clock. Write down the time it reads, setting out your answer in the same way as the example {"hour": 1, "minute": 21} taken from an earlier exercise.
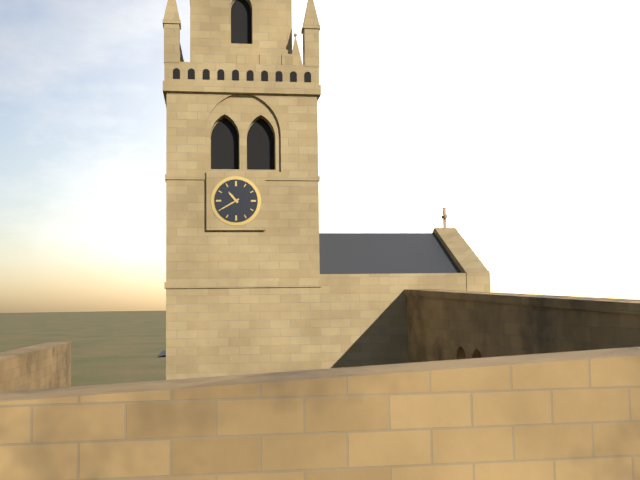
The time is {"hour": 10, "minute": 40}
